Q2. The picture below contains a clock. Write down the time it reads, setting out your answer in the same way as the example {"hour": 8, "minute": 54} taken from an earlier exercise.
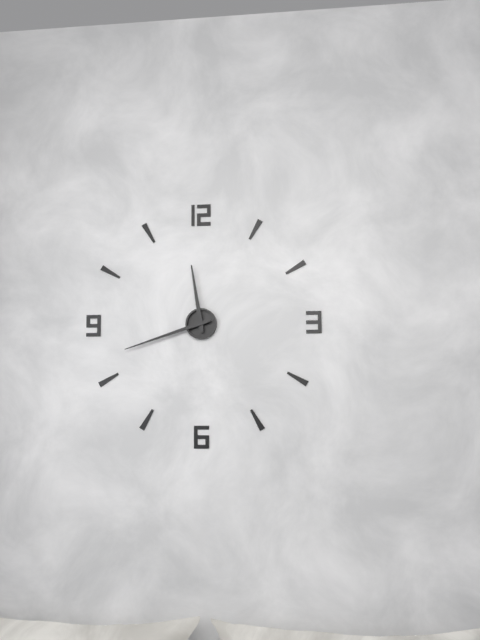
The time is {"hour": 11, "minute": 42}
